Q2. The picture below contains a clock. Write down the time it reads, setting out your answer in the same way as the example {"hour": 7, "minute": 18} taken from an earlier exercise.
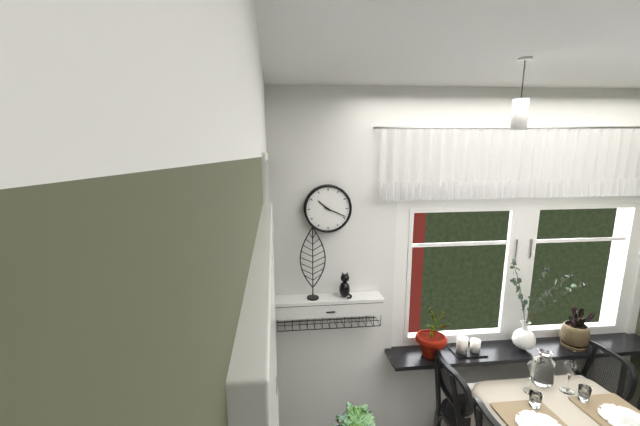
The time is {"hour": 10, "minute": 19}
